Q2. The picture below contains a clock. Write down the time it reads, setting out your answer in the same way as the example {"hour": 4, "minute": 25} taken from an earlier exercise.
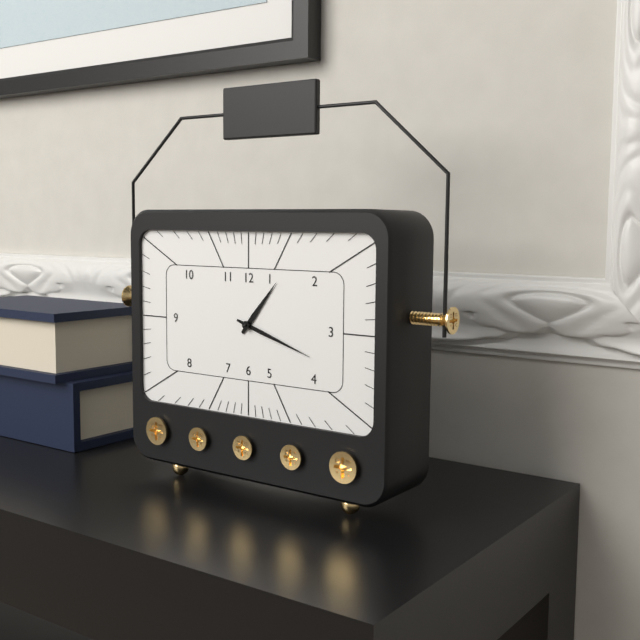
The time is {"hour": 1, "minute": 18}
